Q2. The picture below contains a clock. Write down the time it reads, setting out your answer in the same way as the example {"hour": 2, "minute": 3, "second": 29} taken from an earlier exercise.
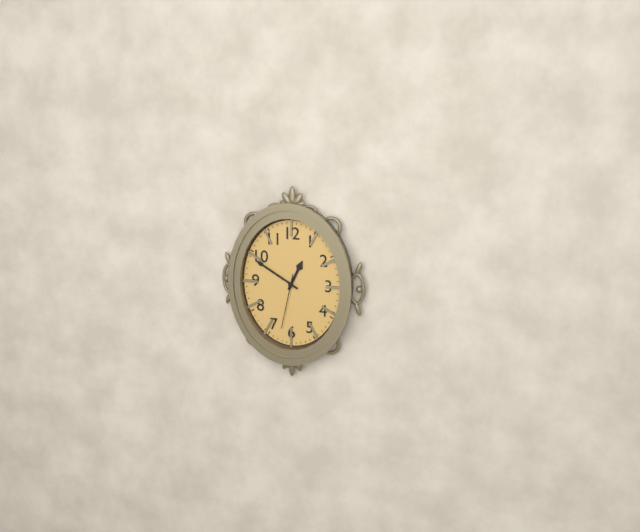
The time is {"hour": 12, "minute": 50, "second": 32}
